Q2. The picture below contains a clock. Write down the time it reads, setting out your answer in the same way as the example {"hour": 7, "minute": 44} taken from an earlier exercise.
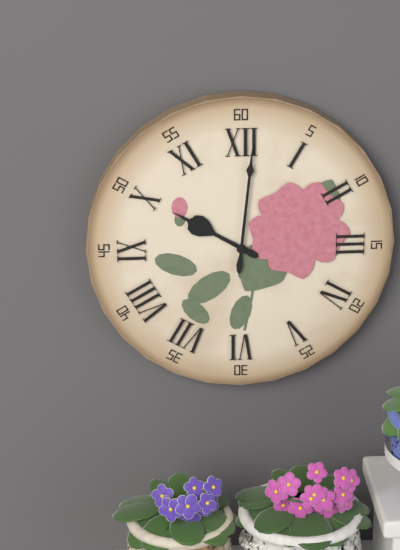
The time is {"hour": 10, "minute": 1}
